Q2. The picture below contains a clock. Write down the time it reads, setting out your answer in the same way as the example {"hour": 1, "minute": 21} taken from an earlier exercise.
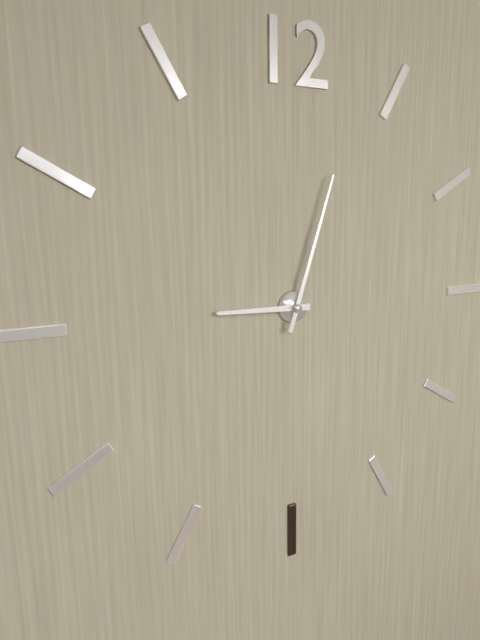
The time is {"hour": 9, "minute": 3}
